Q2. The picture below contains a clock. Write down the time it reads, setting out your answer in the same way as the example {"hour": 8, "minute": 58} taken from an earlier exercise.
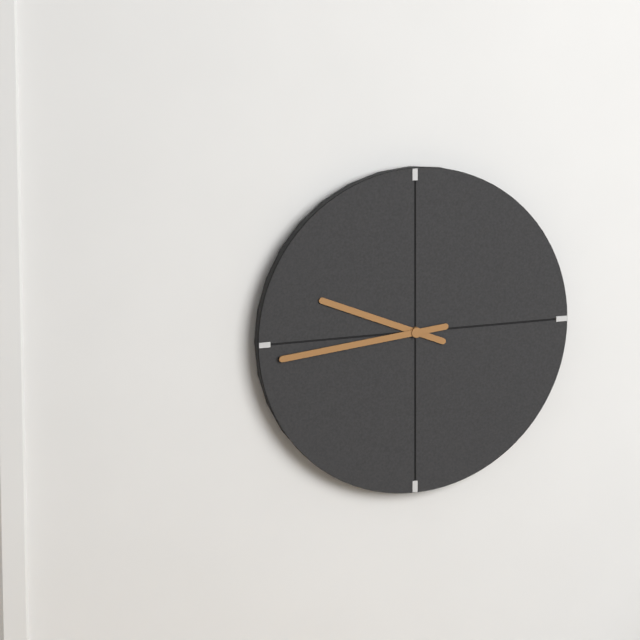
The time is {"hour": 9, "minute": 44}
